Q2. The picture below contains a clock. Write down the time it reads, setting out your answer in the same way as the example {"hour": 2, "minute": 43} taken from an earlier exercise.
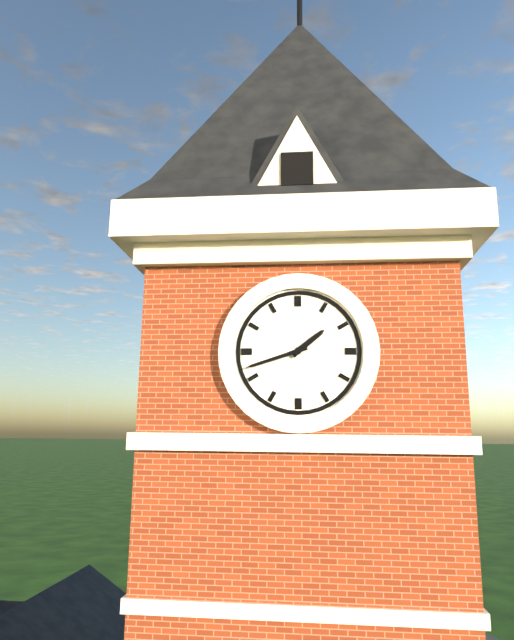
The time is {"hour": 1, "minute": 42}
